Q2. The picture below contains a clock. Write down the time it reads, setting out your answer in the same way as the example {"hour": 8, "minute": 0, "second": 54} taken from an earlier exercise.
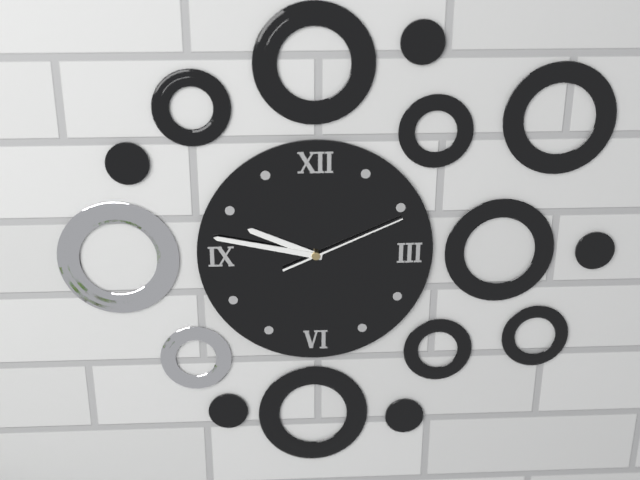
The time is {"hour": 9, "minute": 47, "second": 11}
